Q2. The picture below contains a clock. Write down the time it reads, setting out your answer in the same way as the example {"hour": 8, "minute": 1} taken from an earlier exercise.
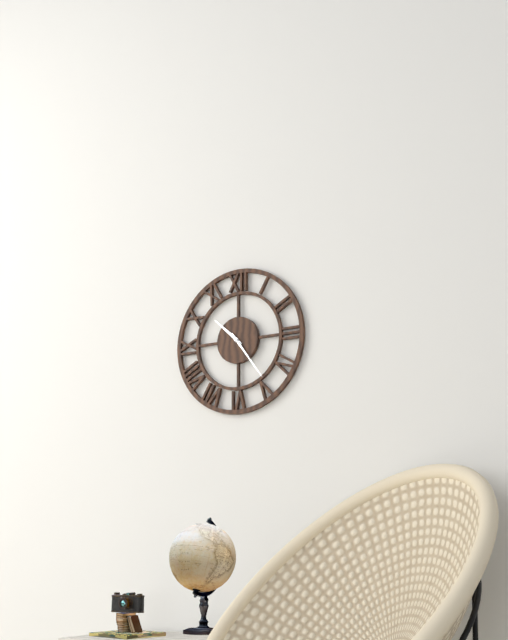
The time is {"hour": 10, "minute": 24}
